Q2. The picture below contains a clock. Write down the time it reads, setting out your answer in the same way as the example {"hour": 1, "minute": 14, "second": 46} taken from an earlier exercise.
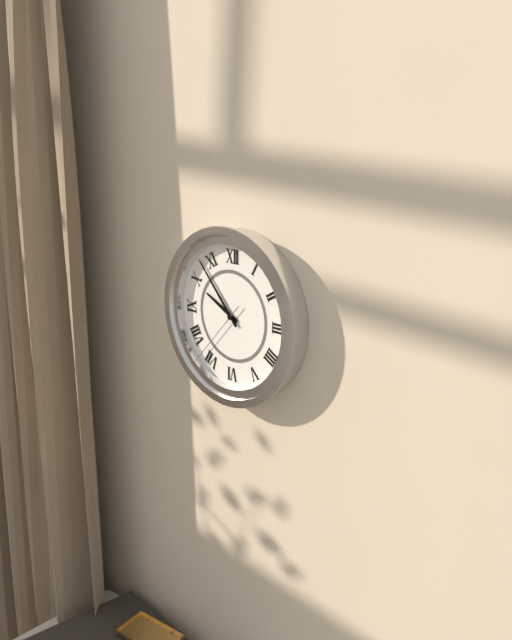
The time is {"hour": 9, "minute": 53, "second": 37}
